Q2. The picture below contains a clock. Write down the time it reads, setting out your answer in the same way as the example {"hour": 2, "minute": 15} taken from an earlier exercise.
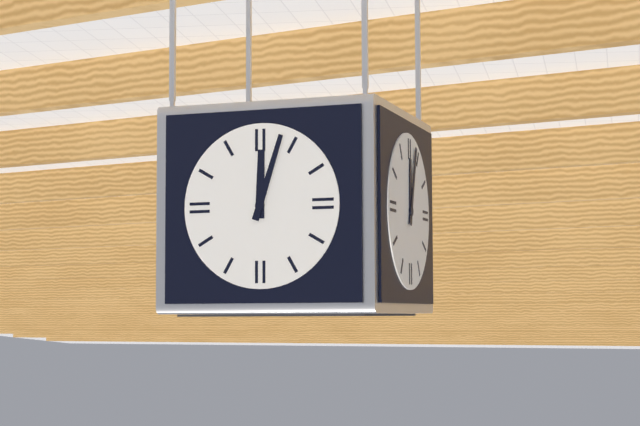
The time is {"hour": 12, "minute": 3}
